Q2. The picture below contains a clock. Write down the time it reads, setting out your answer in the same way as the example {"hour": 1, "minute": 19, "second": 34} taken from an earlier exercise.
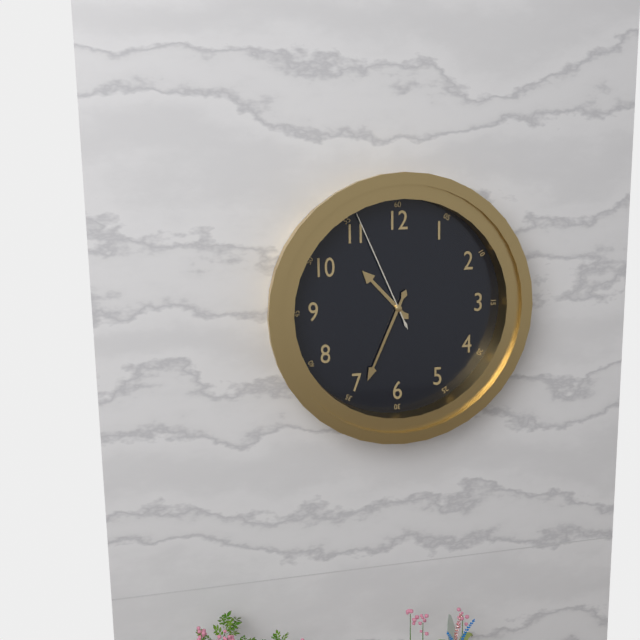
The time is {"hour": 10, "minute": 34, "second": 56}
